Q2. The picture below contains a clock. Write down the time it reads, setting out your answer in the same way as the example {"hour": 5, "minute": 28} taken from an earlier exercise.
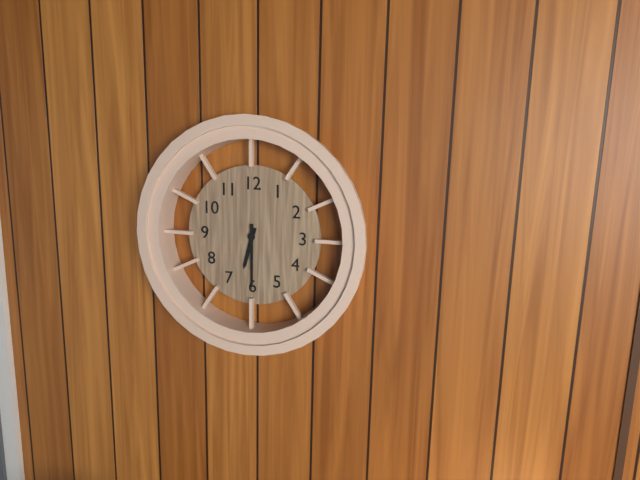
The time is {"hour": 6, "minute": 30}
